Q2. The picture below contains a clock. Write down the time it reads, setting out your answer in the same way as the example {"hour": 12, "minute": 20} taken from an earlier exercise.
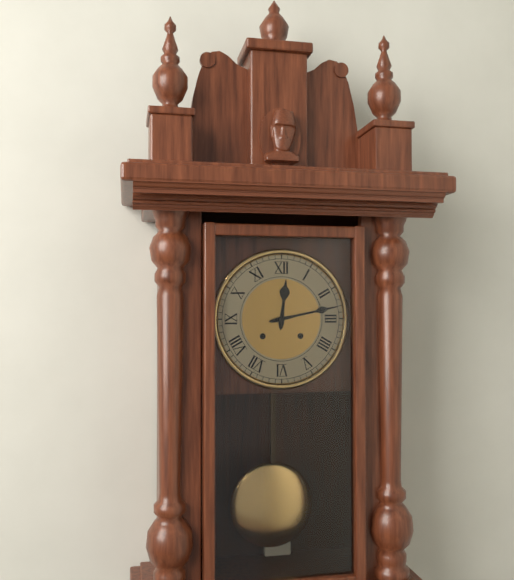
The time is {"hour": 12, "minute": 13}
